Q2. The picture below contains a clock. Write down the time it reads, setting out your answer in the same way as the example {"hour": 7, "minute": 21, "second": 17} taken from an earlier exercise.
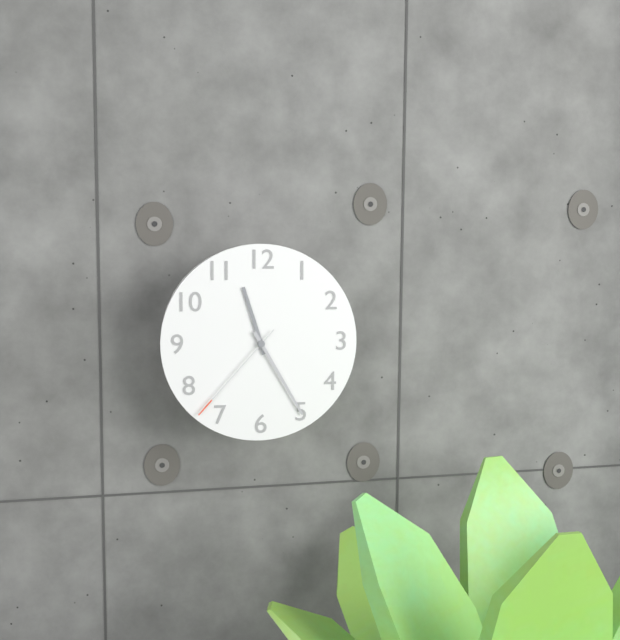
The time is {"hour": 11, "minute": 25, "second": 37}
